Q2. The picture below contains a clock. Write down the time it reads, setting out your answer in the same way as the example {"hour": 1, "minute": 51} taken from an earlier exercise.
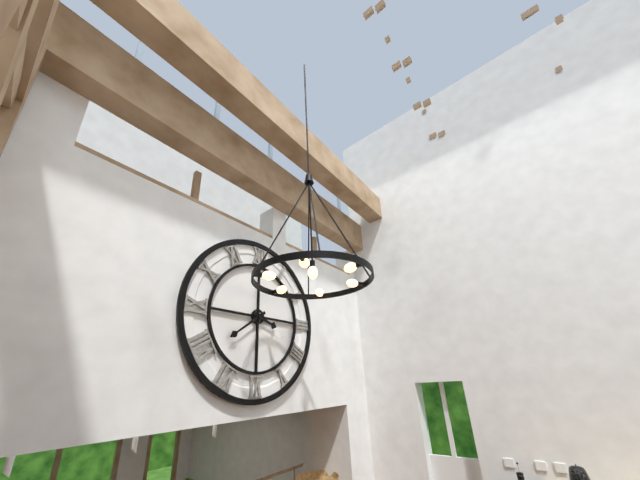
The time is {"hour": 3, "minute": 39}
